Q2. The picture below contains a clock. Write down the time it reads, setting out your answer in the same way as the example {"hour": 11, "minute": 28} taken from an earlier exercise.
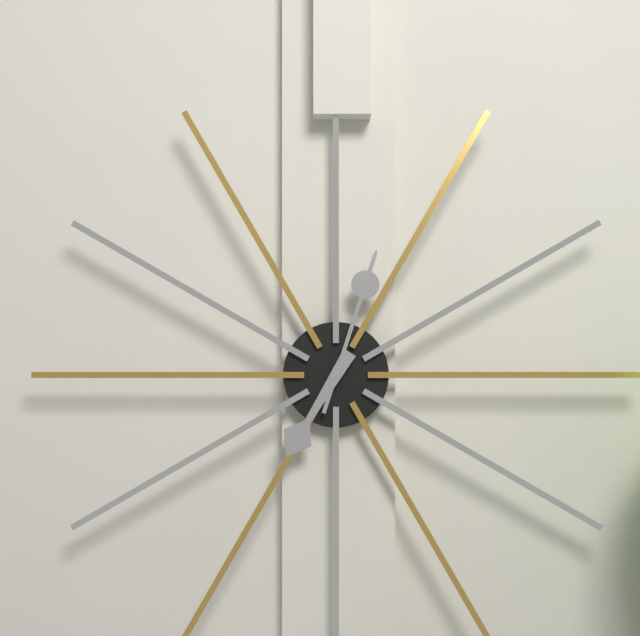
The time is {"hour": 7, "minute": 3}
